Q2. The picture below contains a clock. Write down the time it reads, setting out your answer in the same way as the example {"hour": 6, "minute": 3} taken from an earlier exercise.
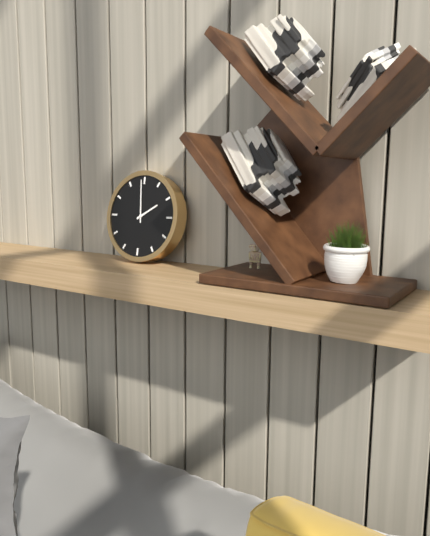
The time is {"hour": 1, "minute": 59}
